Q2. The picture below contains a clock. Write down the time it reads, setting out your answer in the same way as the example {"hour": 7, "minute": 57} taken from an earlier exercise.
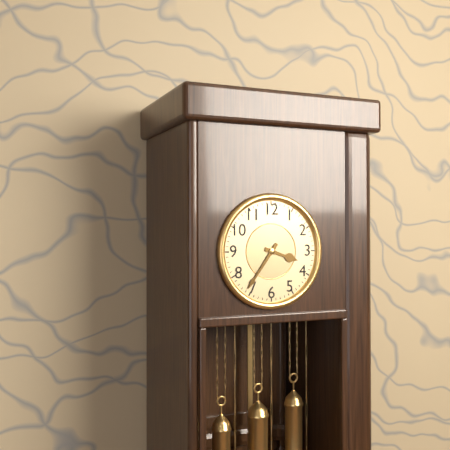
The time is {"hour": 3, "minute": 36}
